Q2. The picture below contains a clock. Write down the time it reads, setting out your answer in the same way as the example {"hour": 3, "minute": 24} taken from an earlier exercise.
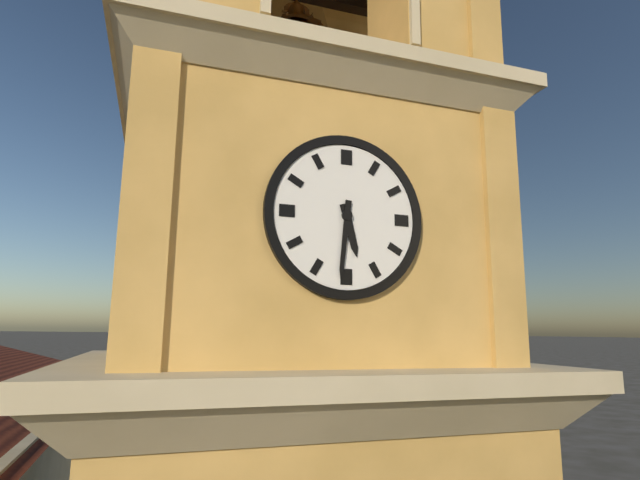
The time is {"hour": 5, "minute": 31}
